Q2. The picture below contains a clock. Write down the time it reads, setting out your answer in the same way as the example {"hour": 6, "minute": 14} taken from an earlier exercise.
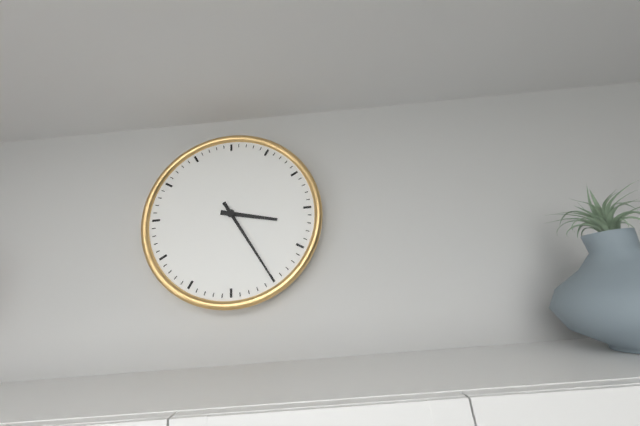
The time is {"hour": 3, "minute": 25}
